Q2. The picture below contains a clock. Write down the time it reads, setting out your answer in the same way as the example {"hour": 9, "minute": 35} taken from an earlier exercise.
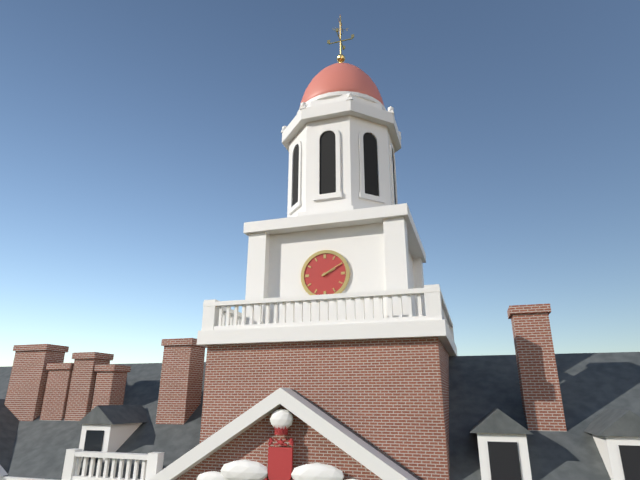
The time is {"hour": 2, "minute": 10}
